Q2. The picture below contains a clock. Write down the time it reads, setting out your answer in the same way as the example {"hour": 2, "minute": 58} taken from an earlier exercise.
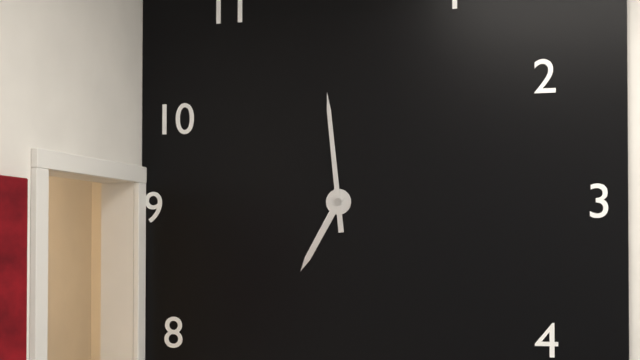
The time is {"hour": 6, "minute": 59}
